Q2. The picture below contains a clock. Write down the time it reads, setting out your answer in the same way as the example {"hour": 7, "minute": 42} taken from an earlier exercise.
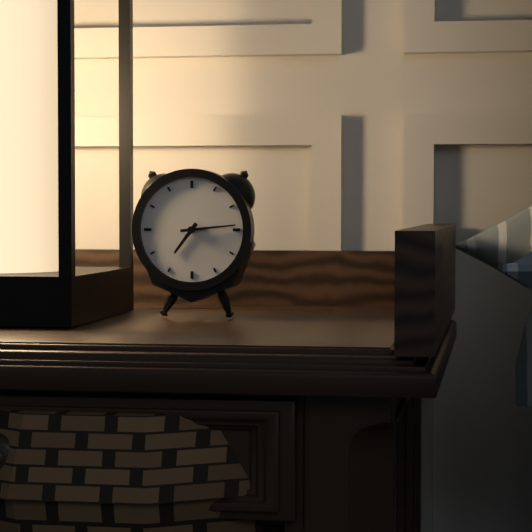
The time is {"hour": 7, "minute": 14}
